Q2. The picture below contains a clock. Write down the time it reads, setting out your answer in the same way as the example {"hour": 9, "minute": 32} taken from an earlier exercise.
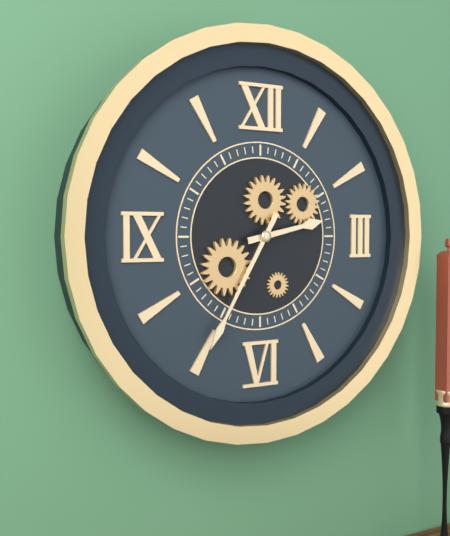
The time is {"hour": 2, "minute": 35}
